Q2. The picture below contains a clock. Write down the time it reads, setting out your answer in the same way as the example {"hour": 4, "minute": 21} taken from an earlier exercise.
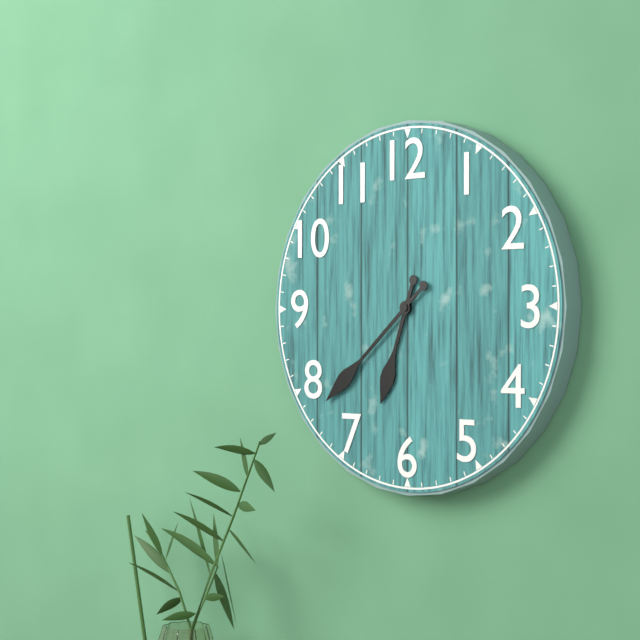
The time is {"hour": 6, "minute": 38}
